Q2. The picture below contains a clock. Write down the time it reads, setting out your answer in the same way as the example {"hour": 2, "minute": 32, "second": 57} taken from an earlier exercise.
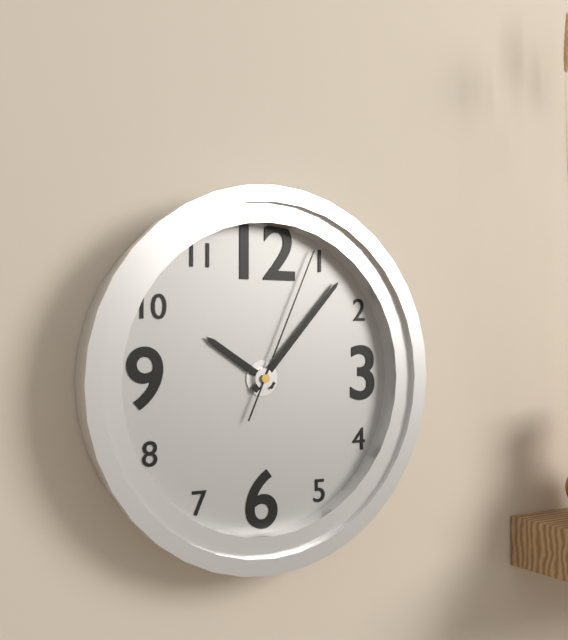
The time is {"hour": 10, "minute": 7, "second": 4}
